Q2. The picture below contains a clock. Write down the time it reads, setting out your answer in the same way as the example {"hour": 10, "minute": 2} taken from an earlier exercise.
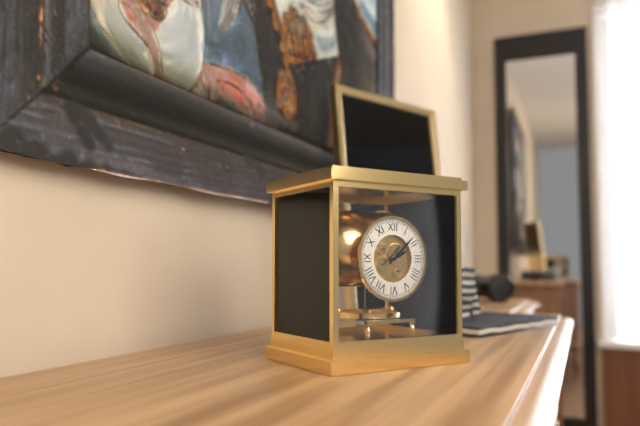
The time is {"hour": 2, "minute": 8}
